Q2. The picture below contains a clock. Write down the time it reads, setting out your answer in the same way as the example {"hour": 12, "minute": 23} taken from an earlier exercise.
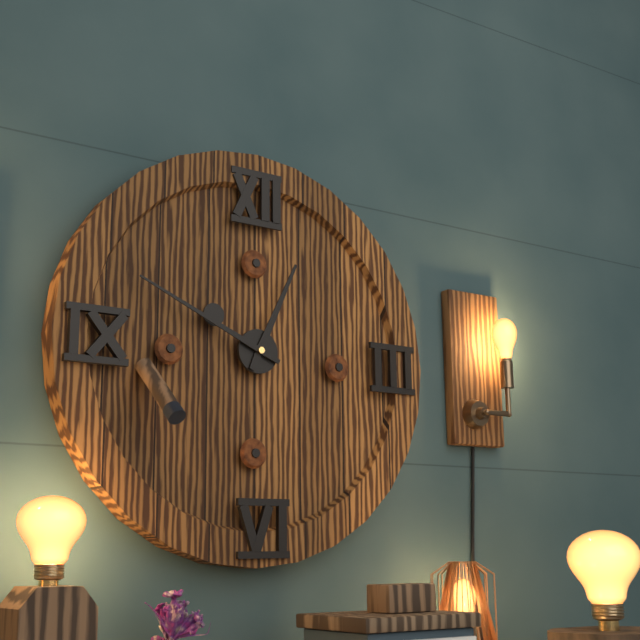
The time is {"hour": 12, "minute": 49}
